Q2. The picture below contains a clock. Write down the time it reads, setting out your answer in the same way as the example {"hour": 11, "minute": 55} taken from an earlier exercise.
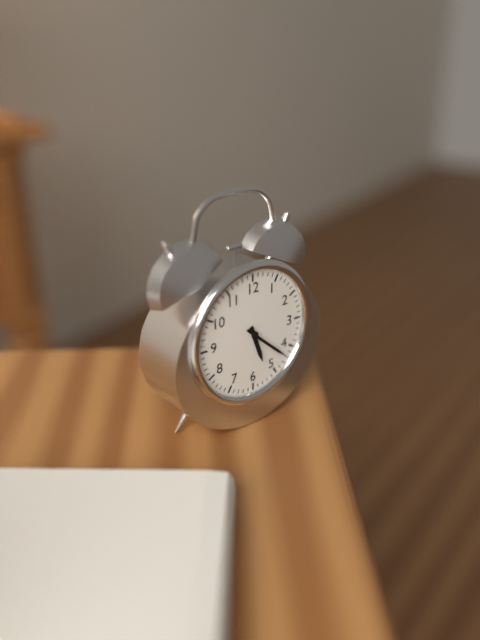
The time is {"hour": 5, "minute": 22}
